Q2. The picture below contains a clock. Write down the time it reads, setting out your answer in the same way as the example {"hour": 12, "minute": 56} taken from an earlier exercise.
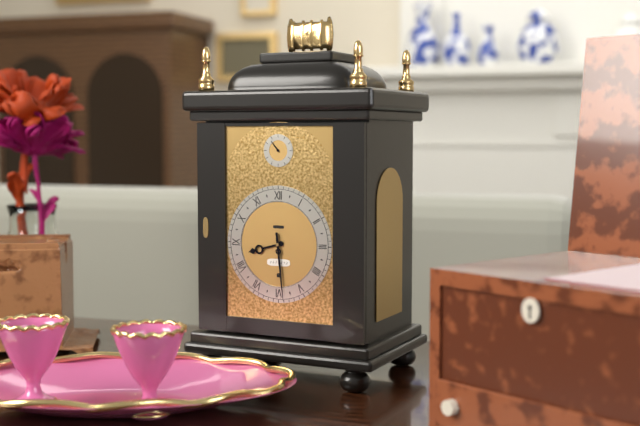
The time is {"hour": 8, "minute": 29}
